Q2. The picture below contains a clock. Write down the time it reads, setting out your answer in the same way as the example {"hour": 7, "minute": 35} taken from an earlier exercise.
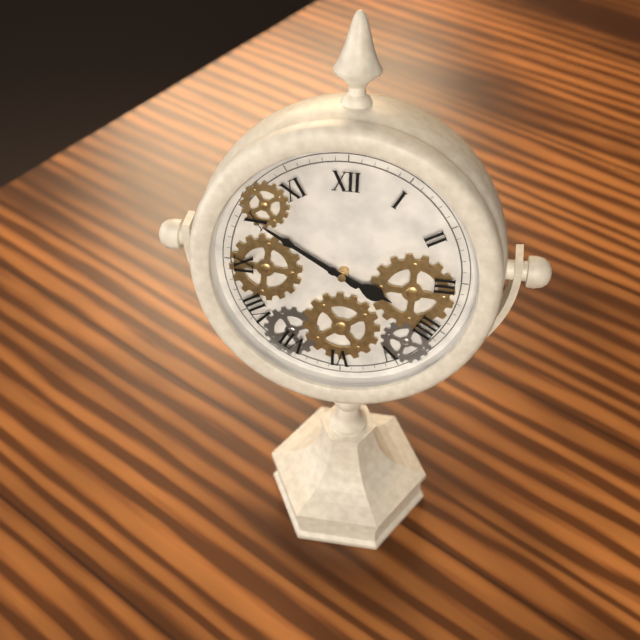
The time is {"hour": 3, "minute": 50}
